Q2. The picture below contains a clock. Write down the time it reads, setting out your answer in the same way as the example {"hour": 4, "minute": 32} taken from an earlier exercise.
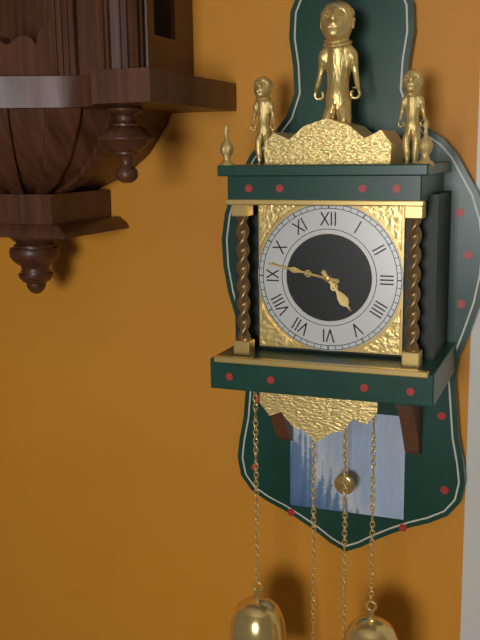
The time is {"hour": 4, "minute": 47}
